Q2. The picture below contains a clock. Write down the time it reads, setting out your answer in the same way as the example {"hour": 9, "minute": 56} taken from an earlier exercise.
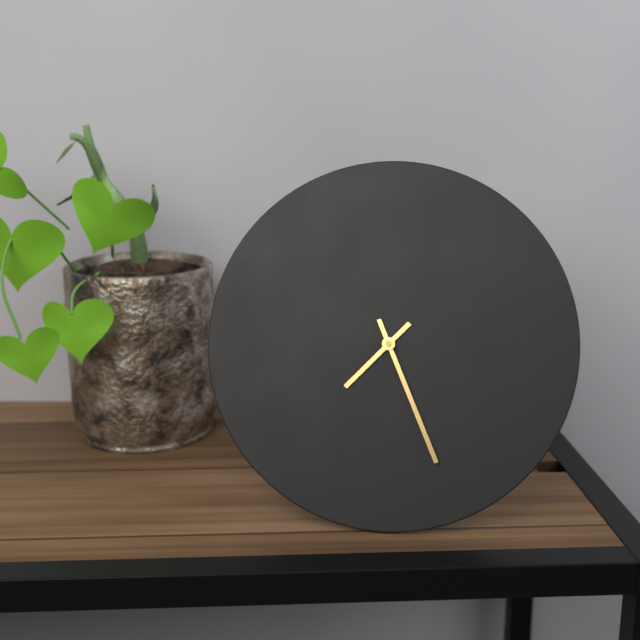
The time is {"hour": 7, "minute": 26}
